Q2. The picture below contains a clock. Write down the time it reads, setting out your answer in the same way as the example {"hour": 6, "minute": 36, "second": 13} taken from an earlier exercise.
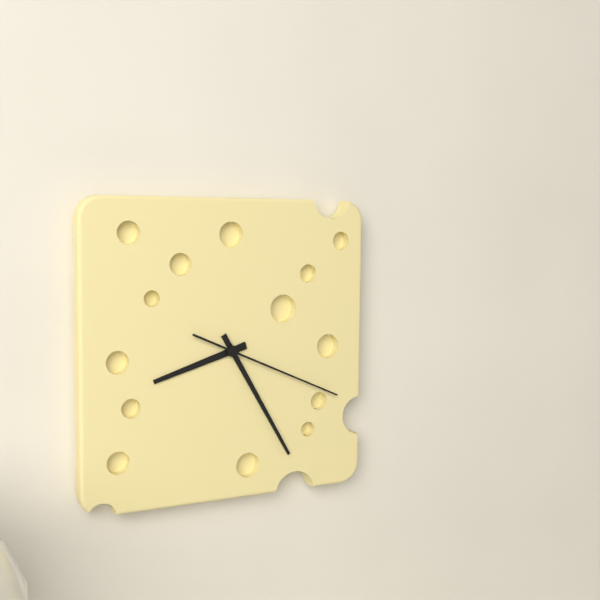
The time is {"hour": 8, "minute": 25, "second": 19}
